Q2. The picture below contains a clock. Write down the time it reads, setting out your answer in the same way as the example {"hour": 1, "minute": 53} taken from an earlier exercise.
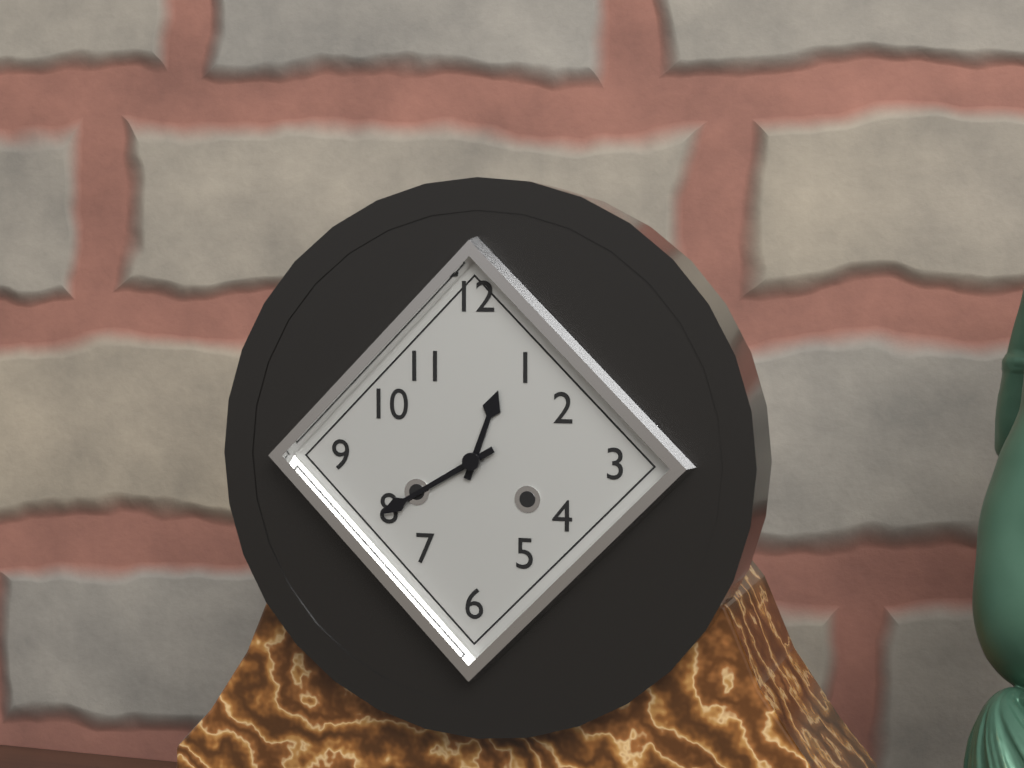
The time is {"hour": 12, "minute": 40}
